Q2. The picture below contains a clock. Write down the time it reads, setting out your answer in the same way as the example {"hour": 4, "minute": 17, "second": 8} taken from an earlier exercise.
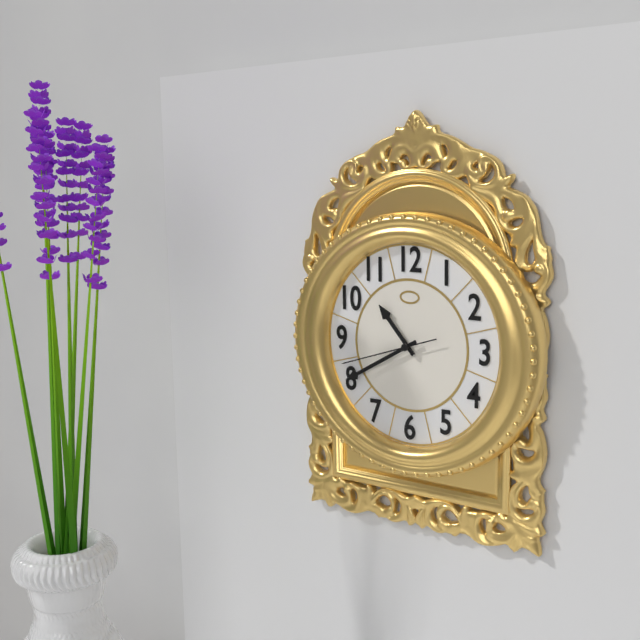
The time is {"hour": 10, "minute": 40, "second": 42}
